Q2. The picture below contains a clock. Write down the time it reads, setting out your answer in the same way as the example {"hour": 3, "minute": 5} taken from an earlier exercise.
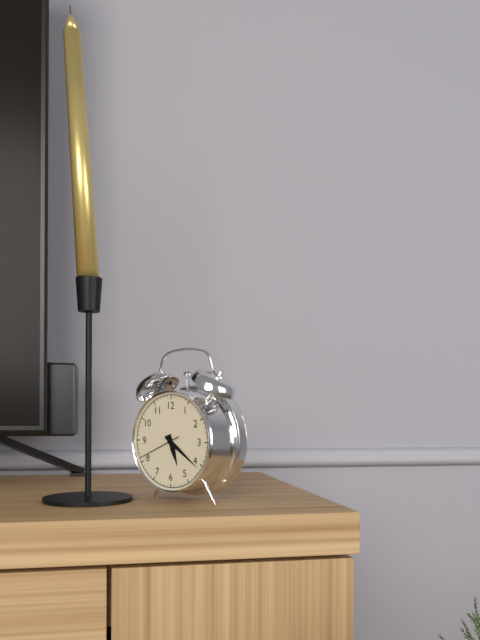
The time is {"hour": 5, "minute": 21}
